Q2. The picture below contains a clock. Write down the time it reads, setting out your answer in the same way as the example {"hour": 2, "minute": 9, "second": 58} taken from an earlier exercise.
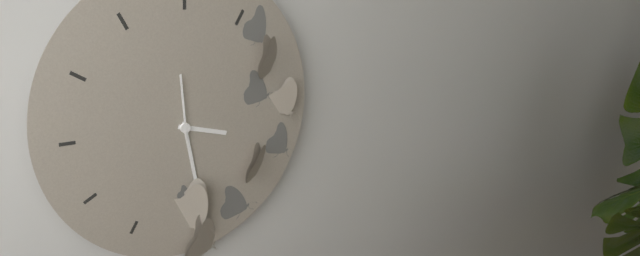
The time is {"hour": 3, "minute": 28, "second": 59}
